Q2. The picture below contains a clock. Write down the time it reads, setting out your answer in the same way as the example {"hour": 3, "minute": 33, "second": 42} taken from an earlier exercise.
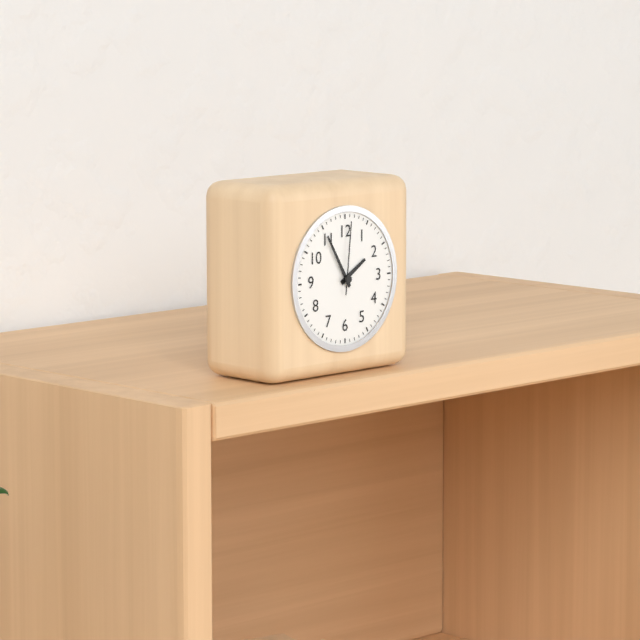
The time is {"hour": 1, "minute": 55, "second": 1}
